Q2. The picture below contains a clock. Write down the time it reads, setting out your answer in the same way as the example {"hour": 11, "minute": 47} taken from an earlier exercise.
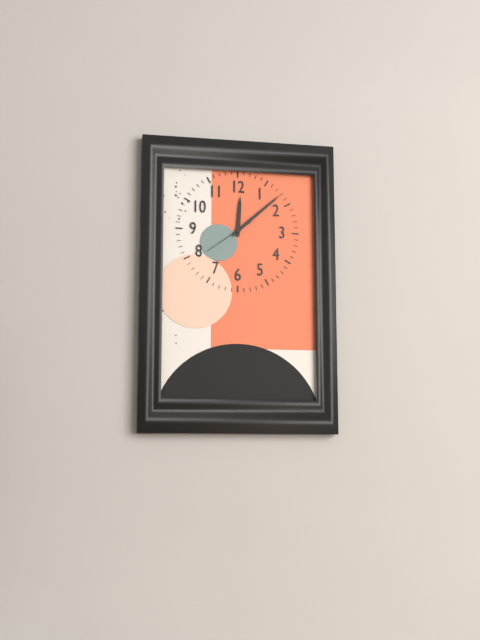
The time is {"hour": 12, "minute": 8}
